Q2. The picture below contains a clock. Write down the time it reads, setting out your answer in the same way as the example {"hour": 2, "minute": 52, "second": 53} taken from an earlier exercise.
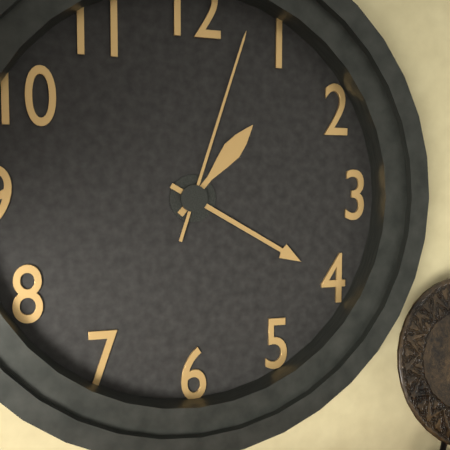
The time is {"hour": 1, "minute": 20, "second": 3}
